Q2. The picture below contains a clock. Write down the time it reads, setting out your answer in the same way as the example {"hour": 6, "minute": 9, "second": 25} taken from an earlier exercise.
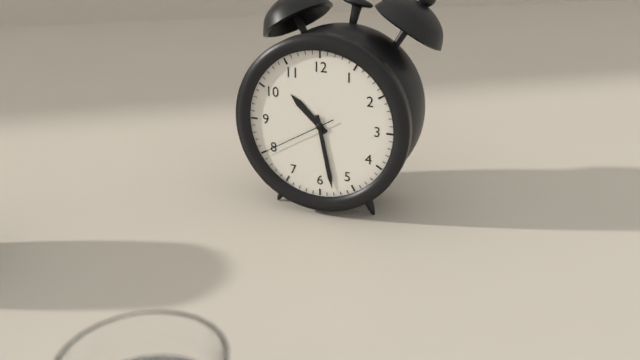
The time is {"hour": 10, "minute": 28, "second": 40}
